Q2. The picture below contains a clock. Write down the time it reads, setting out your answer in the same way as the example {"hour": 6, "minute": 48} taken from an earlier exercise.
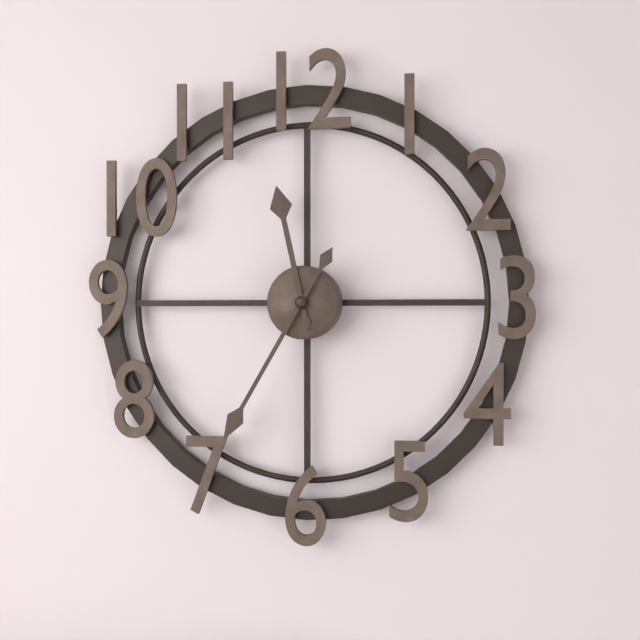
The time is {"hour": 11, "minute": 35}
